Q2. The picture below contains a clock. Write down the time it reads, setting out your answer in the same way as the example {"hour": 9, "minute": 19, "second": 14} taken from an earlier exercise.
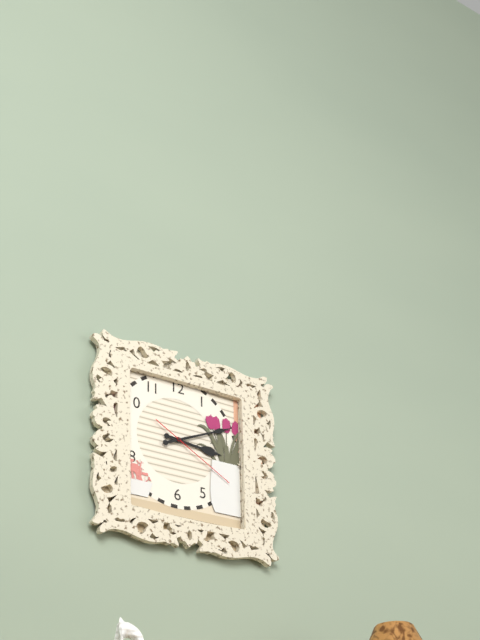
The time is {"hour": 3, "minute": 11, "second": 20}
